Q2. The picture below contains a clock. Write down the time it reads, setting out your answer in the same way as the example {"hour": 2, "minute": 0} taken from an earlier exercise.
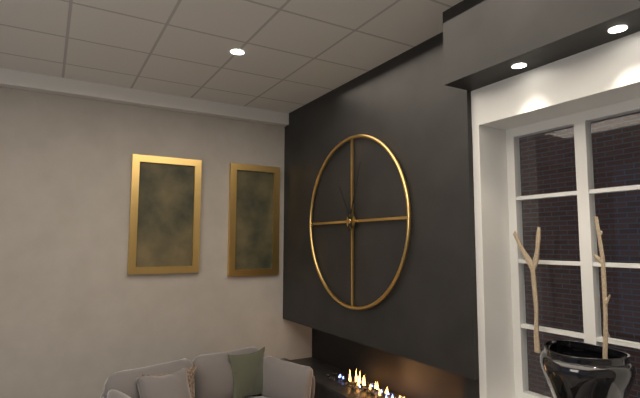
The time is {"hour": 11, "minute": 3}
